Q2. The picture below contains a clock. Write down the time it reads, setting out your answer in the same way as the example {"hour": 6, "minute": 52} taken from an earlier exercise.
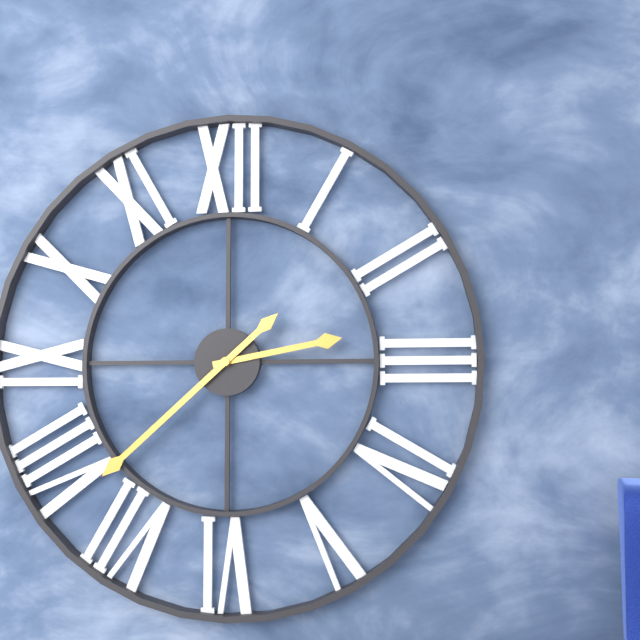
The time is {"hour": 2, "minute": 38}
